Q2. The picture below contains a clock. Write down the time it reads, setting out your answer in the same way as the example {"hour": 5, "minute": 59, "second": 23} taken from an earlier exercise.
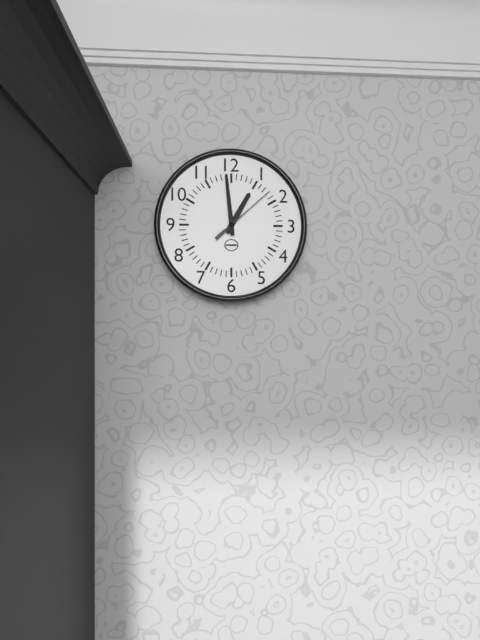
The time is {"hour": 12, "minute": 59, "second": 8}
